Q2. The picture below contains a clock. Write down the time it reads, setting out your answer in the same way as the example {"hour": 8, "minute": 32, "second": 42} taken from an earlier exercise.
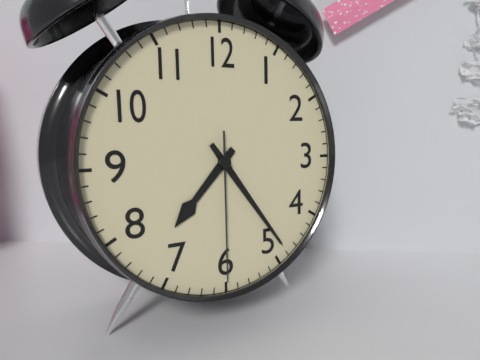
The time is {"hour": 7, "minute": 24, "second": 30}
